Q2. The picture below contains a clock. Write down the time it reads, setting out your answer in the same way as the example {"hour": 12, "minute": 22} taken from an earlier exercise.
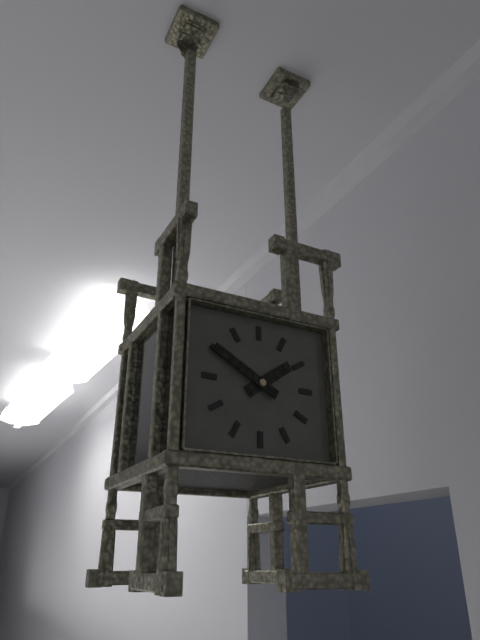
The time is {"hour": 1, "minute": 50}
